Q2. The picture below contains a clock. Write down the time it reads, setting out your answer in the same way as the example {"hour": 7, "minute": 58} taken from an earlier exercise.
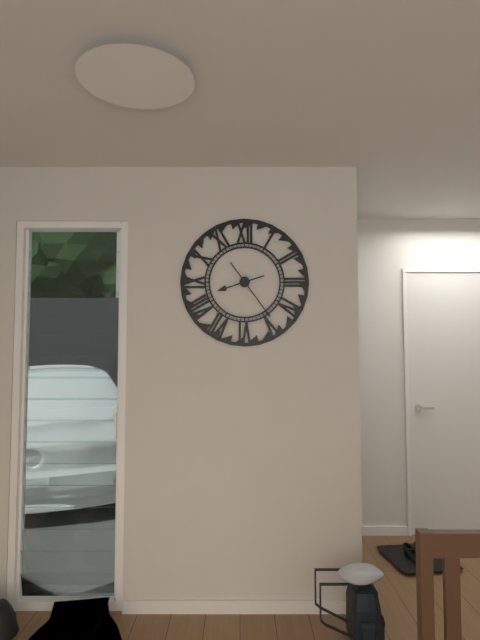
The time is {"hour": 8, "minute": 24}
